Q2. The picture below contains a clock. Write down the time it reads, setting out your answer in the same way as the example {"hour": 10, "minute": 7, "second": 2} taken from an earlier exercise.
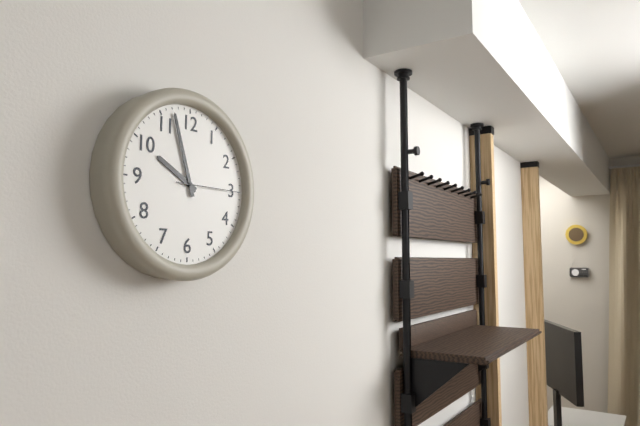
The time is {"hour": 9, "minute": 57, "second": 15}
